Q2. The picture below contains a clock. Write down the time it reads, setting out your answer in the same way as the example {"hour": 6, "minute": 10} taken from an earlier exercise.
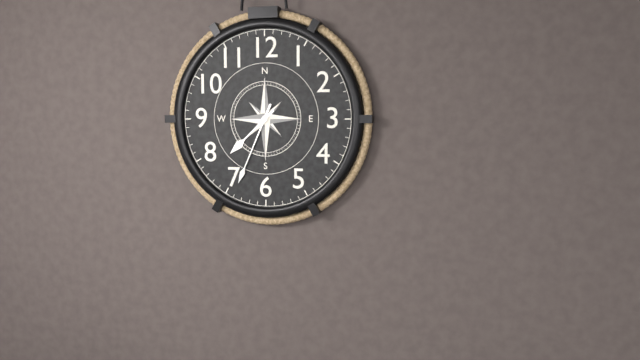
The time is {"hour": 7, "minute": 34}
